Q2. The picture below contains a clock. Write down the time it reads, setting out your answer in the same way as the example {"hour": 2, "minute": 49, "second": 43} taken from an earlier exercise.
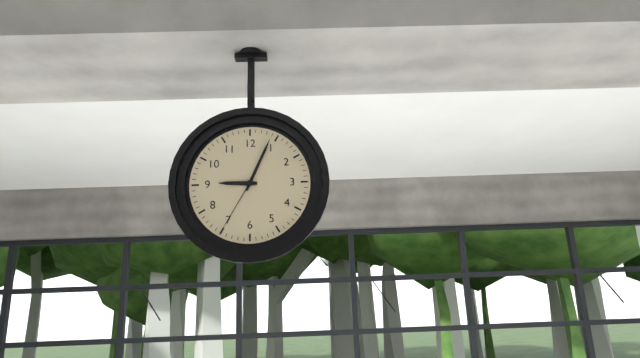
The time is {"hour": 9, "minute": 4, "second": 35}
